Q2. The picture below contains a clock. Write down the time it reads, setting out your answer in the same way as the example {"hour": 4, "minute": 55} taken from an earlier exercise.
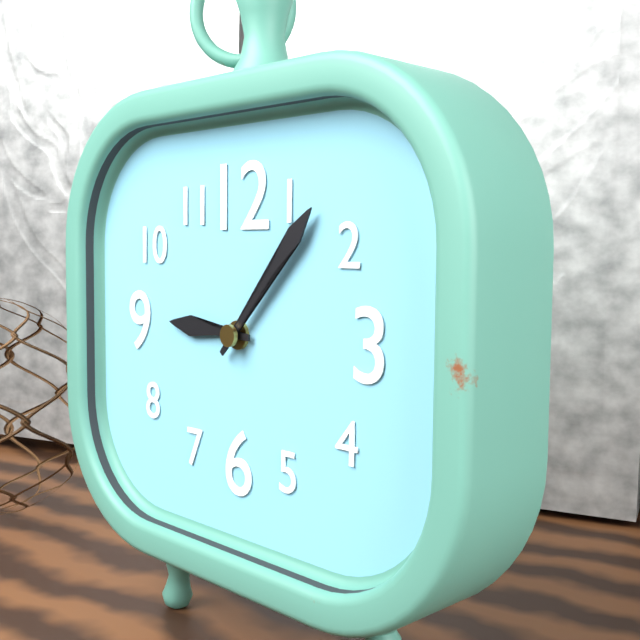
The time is {"hour": 9, "minute": 7}
